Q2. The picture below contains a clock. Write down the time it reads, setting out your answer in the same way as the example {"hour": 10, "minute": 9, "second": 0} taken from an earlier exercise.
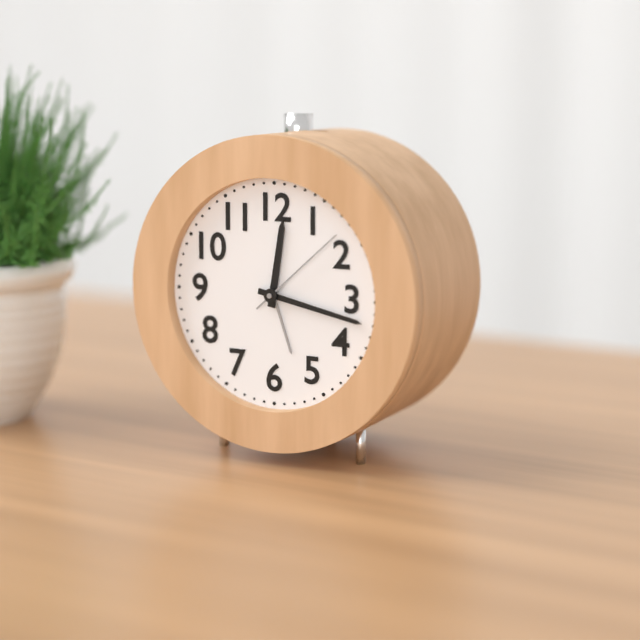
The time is {"hour": 12, "minute": 17, "second": 8}
